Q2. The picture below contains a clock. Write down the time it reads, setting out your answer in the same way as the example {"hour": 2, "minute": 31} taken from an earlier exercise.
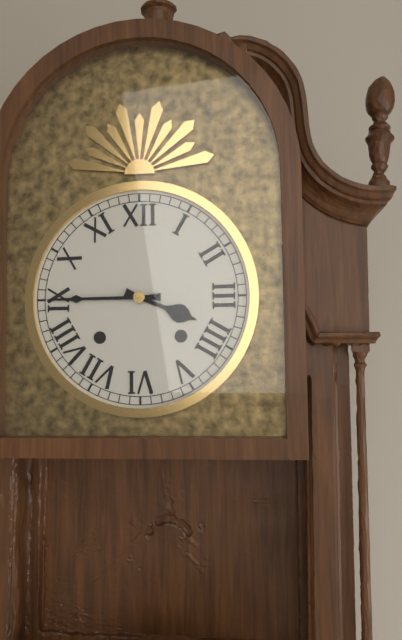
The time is {"hour": 3, "minute": 45}
